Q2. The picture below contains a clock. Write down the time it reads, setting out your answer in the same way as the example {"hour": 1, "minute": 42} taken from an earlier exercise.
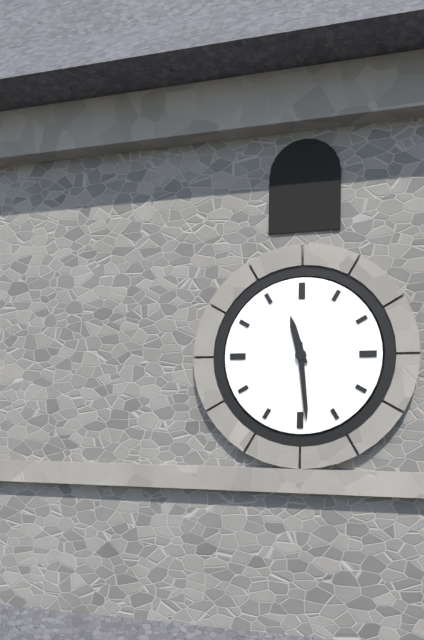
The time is {"hour": 11, "minute": 29}
